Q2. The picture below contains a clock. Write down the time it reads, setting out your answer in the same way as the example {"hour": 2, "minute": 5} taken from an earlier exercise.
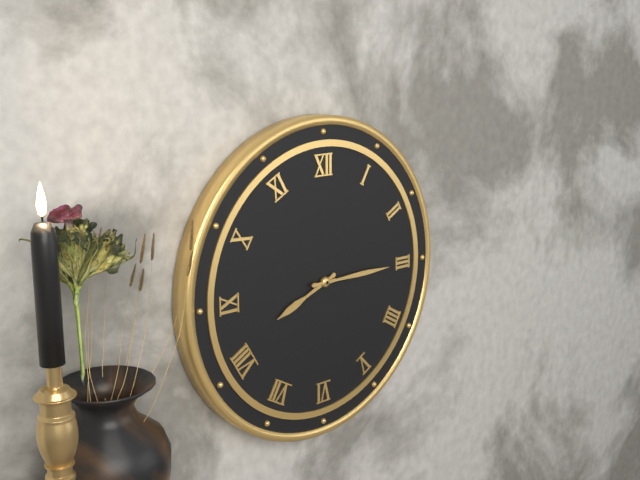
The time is {"hour": 8, "minute": 15}
